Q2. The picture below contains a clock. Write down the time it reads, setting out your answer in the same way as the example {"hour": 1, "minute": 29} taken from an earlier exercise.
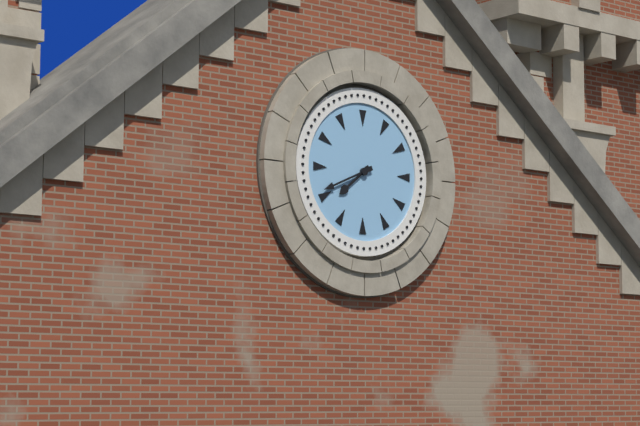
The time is {"hour": 7, "minute": 41}
